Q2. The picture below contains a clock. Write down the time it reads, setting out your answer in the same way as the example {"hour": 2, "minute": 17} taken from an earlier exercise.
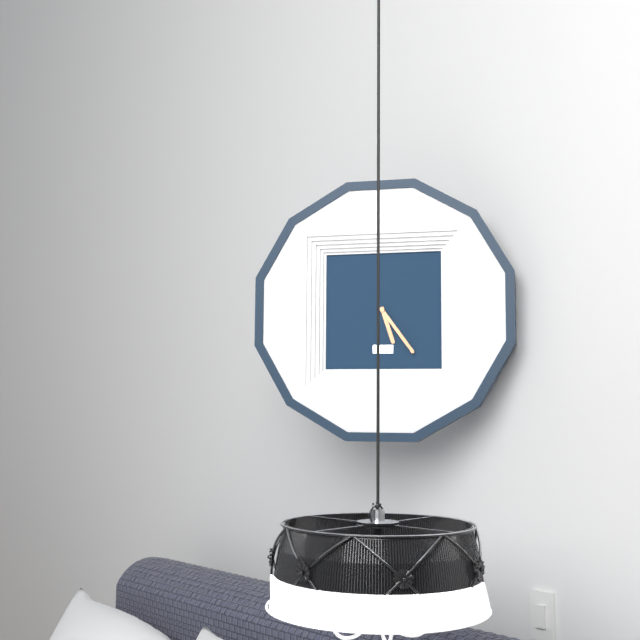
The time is {"hour": 5, "minute": 24}
